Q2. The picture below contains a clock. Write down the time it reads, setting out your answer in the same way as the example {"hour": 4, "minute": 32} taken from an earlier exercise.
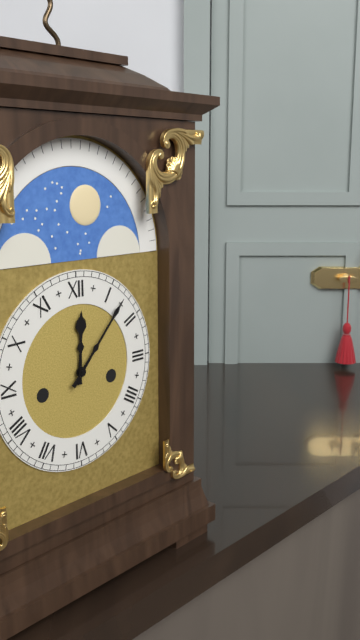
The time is {"hour": 12, "minute": 7}
